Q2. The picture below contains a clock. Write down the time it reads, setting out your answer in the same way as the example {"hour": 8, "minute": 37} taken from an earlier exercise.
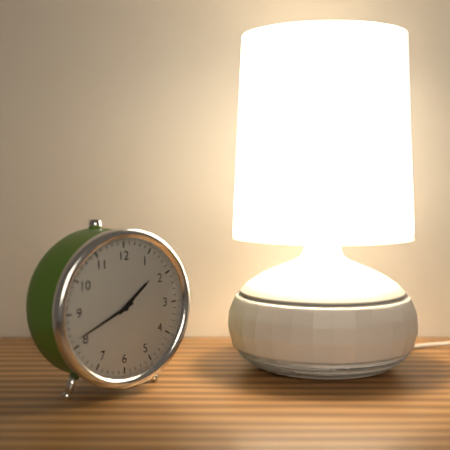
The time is {"hour": 1, "minute": 41}
